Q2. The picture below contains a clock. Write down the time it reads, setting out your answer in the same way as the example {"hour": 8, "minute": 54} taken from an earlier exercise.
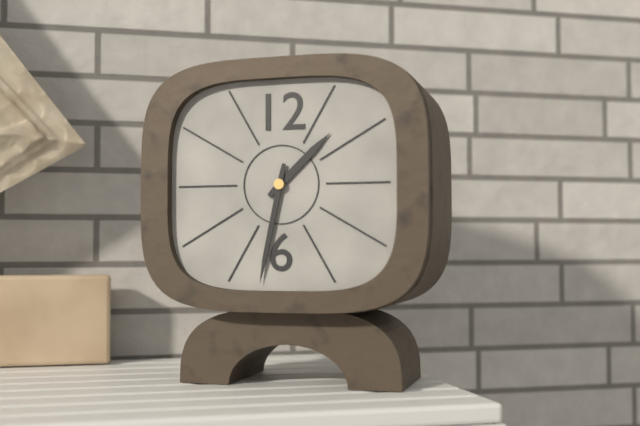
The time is {"hour": 1, "minute": 32}
